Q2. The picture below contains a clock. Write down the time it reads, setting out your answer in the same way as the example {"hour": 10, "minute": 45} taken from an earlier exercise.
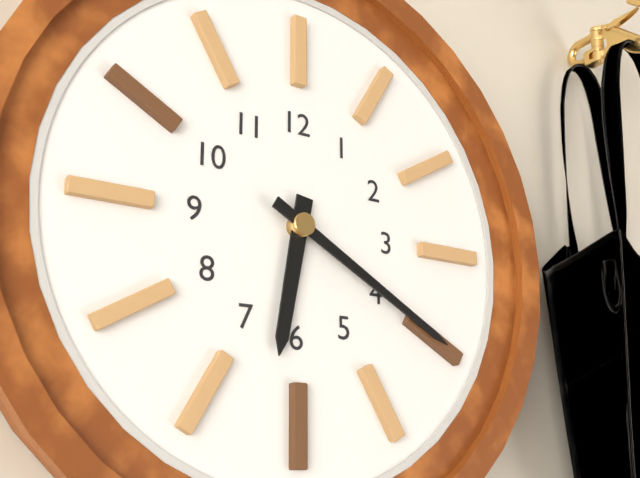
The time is {"hour": 6, "minute": 20}
